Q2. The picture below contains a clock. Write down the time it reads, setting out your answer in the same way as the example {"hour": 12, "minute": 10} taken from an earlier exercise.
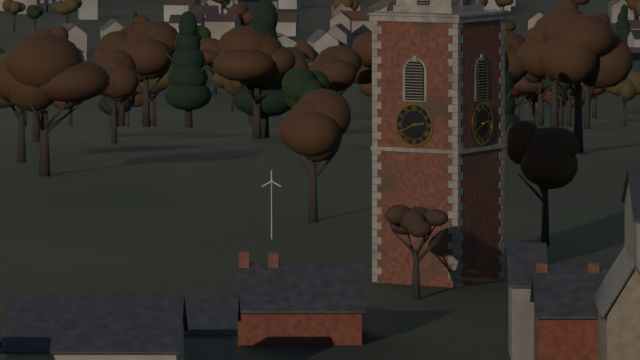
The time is {"hour": 2, "minute": 41}
